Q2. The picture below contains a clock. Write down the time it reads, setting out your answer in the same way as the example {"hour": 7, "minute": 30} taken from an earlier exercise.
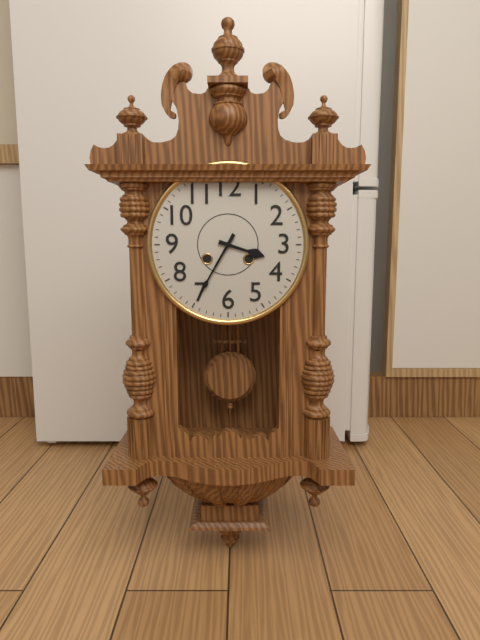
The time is {"hour": 3, "minute": 35}
